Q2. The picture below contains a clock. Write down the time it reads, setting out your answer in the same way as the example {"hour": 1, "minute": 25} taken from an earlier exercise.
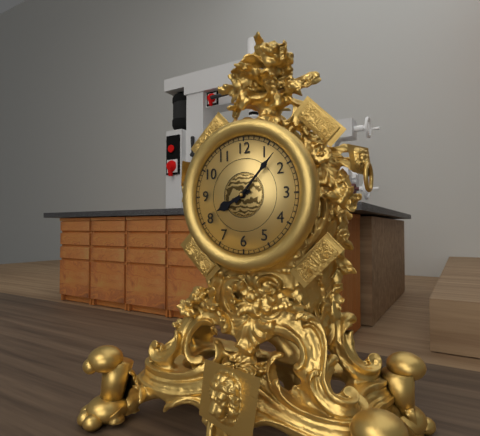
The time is {"hour": 8, "minute": 7}
